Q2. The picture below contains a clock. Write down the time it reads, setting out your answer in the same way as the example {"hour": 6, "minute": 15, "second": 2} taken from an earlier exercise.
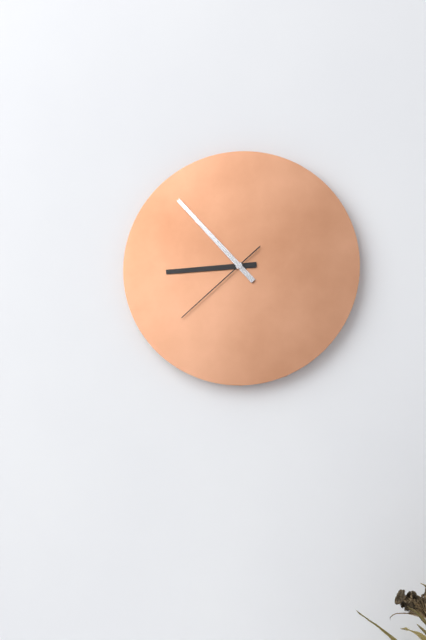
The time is {"hour": 8, "minute": 53, "second": 38}
